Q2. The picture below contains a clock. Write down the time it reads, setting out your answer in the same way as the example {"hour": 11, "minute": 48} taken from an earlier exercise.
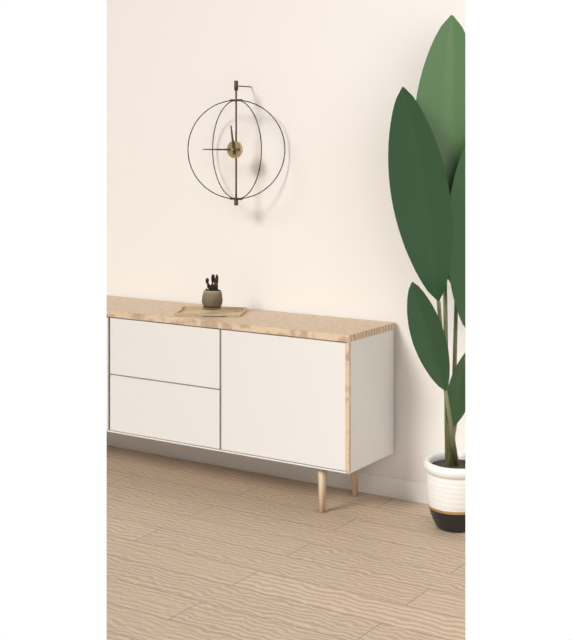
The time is {"hour": 11, "minute": 45}
